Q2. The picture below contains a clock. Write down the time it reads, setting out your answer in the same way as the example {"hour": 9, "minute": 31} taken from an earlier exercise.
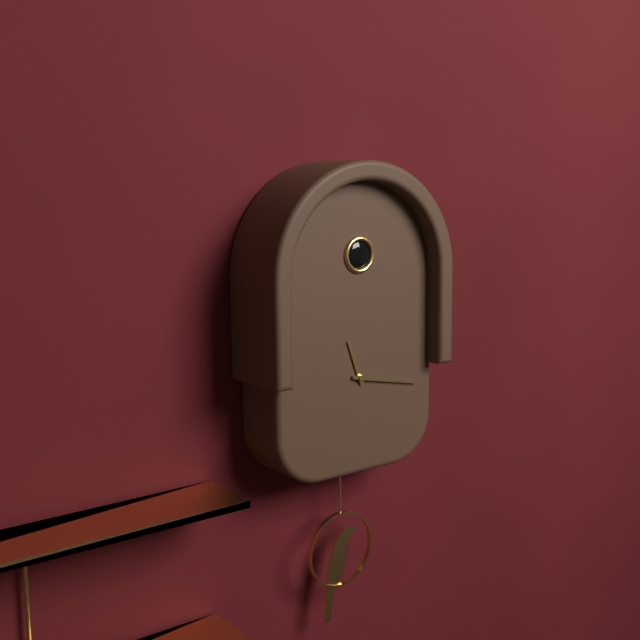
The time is {"hour": 11, "minute": 17}
